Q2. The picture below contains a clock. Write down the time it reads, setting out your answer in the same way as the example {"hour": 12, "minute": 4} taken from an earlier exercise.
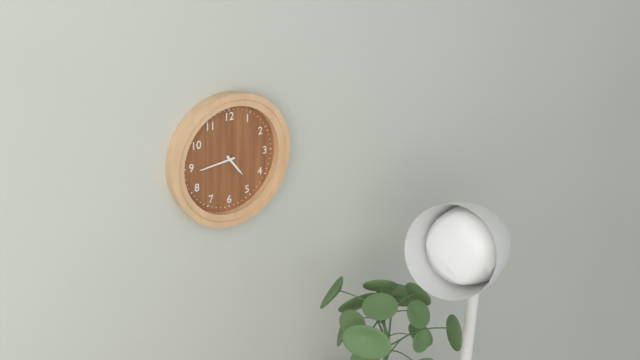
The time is {"hour": 4, "minute": 44}
